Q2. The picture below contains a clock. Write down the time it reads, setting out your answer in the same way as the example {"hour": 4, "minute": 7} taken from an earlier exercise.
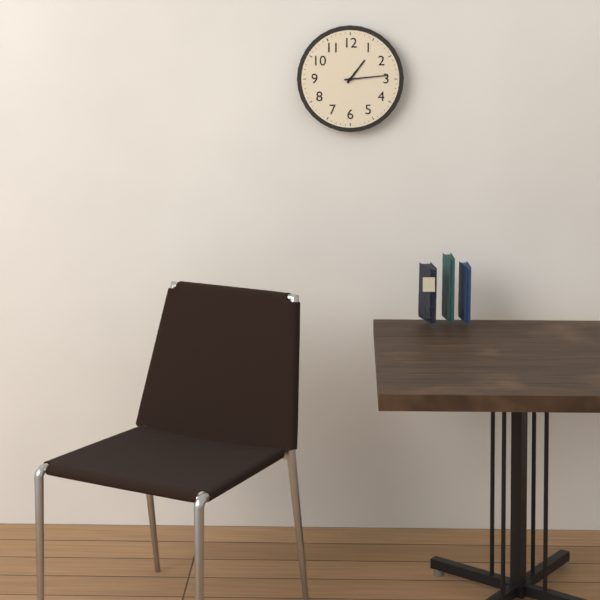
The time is {"hour": 1, "minute": 14}
